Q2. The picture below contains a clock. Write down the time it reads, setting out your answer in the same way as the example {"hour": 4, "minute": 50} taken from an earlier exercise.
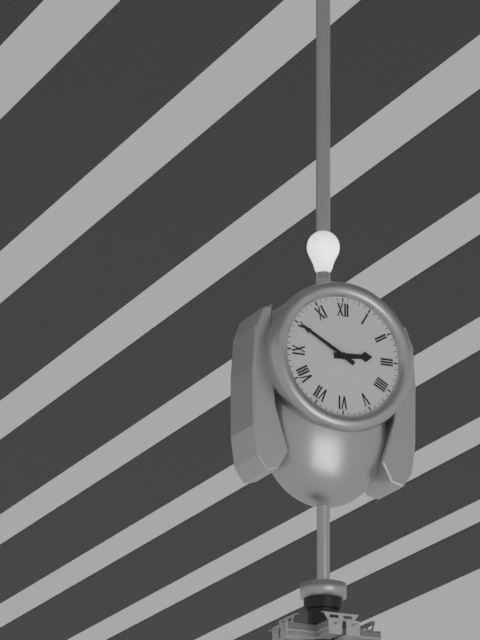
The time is {"hour": 2, "minute": 50}
